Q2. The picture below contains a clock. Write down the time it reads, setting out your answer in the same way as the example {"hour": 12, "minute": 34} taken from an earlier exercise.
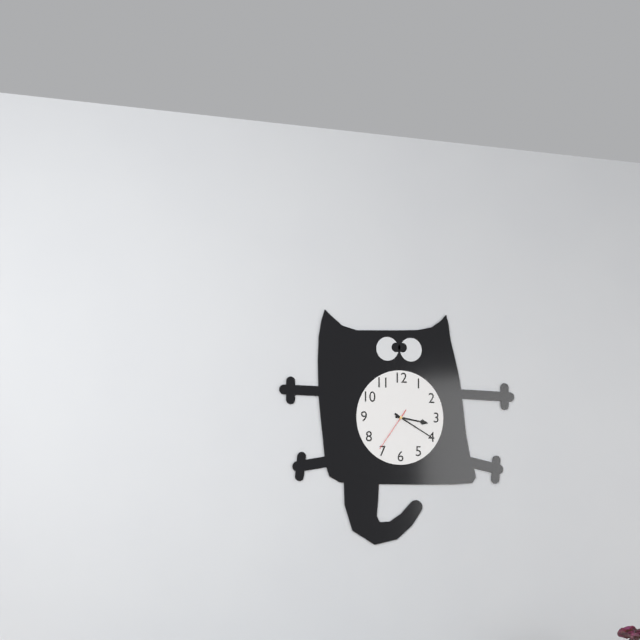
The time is {"hour": 3, "minute": 20}
